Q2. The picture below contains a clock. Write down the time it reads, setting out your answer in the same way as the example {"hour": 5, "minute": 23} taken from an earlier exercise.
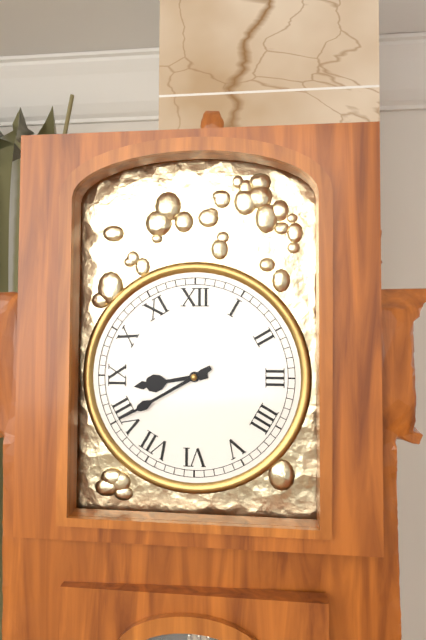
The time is {"hour": 8, "minute": 40}
